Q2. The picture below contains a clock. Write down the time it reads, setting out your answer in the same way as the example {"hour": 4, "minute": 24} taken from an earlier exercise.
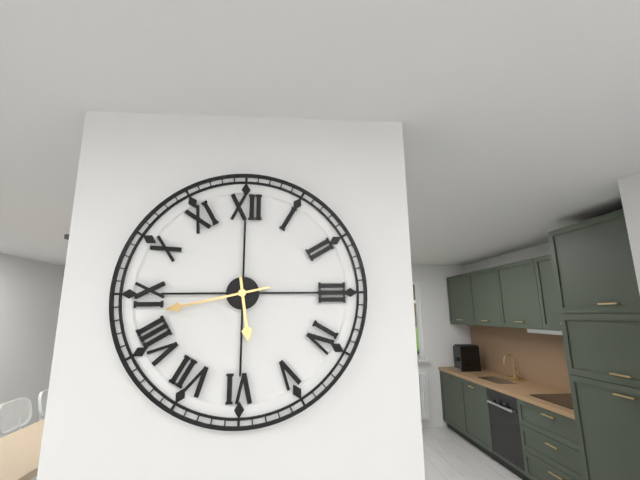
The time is {"hour": 5, "minute": 43}
